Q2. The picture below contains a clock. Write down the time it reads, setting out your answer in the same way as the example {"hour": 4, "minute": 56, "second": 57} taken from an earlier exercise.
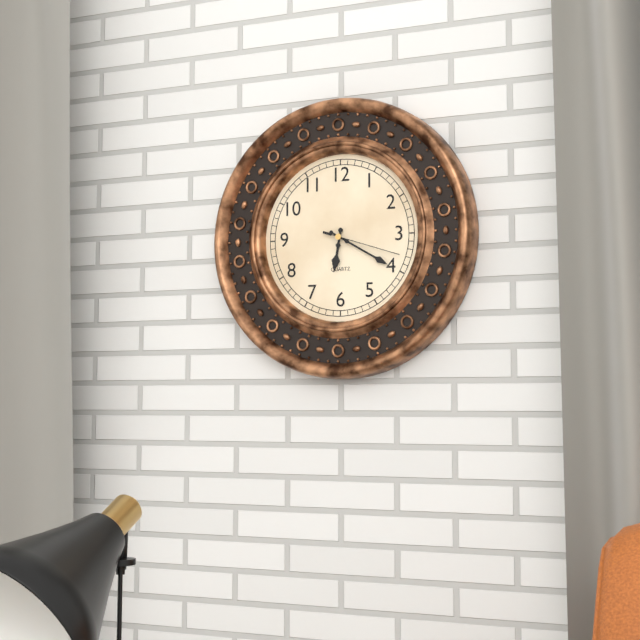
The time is {"hour": 6, "minute": 20, "second": 18}
